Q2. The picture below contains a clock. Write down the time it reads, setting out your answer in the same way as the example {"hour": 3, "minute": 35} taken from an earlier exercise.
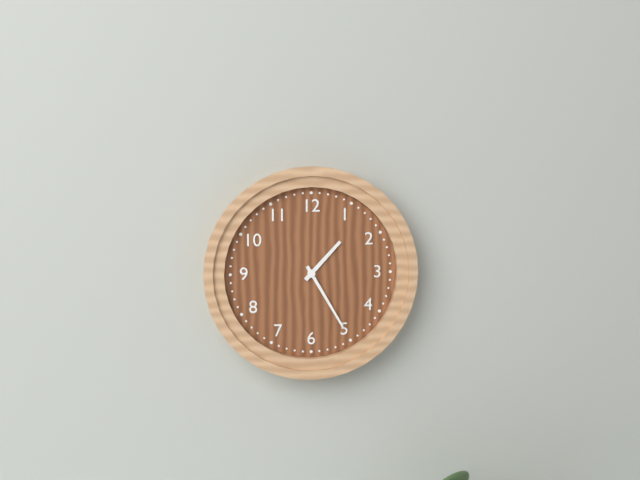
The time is {"hour": 1, "minute": 25}
